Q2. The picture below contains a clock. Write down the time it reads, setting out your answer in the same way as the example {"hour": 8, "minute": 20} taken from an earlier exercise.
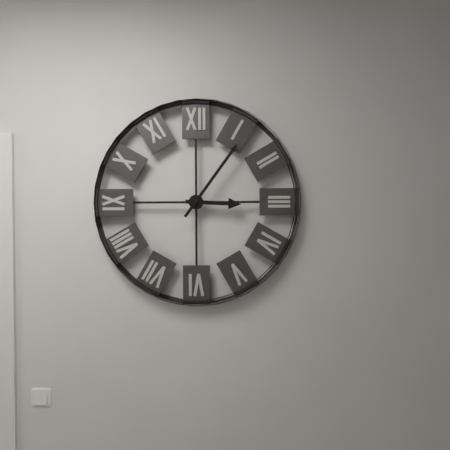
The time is {"hour": 3, "minute": 6}
